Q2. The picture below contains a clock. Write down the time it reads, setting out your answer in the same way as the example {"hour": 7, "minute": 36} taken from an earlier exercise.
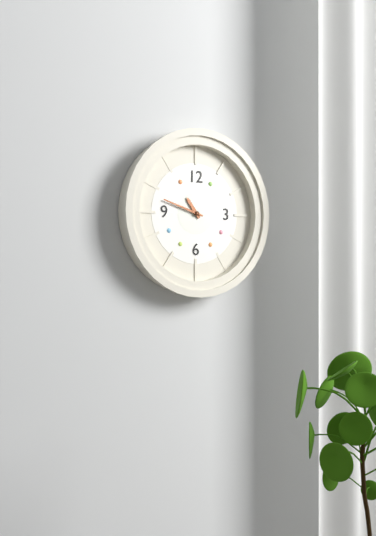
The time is {"hour": 10, "minute": 48}
